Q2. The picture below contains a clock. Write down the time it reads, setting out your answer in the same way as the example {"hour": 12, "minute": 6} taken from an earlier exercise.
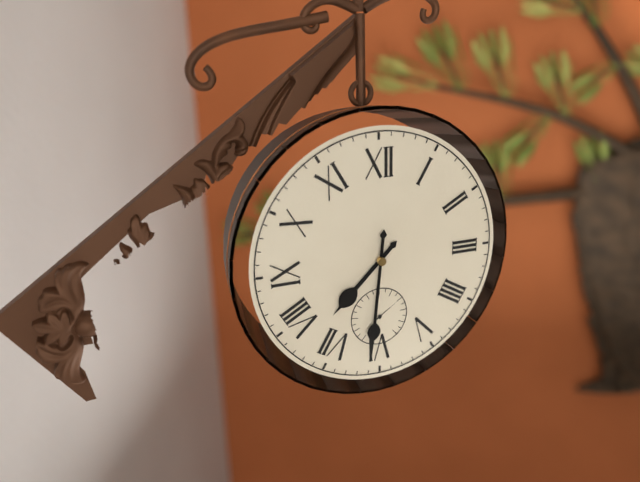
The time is {"hour": 7, "minute": 31}
